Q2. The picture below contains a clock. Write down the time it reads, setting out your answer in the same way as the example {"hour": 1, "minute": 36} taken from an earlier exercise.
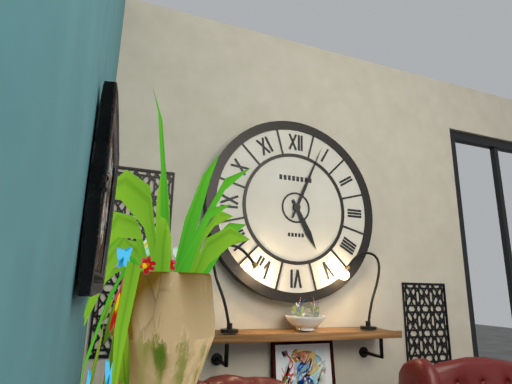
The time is {"hour": 5, "minute": 4}
